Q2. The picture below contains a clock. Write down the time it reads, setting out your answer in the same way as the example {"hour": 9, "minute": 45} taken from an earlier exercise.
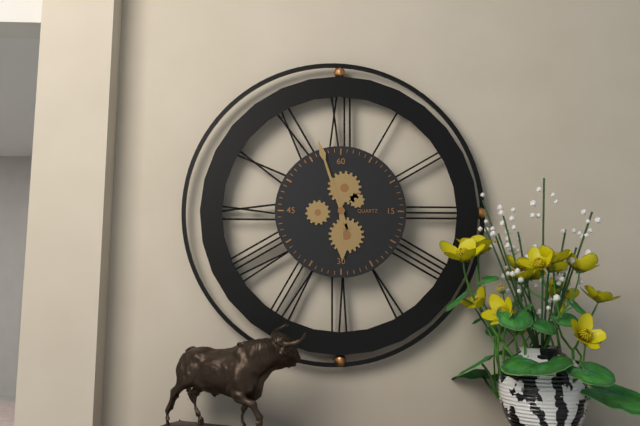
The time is {"hour": 5, "minute": 57}
